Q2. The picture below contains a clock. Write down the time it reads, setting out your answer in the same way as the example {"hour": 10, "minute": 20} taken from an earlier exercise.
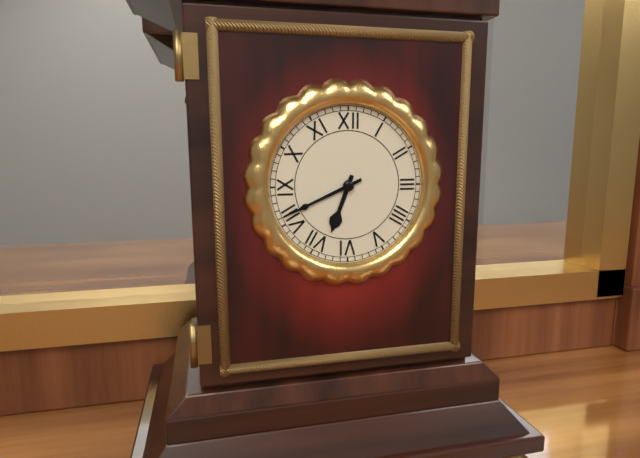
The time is {"hour": 6, "minute": 41}
